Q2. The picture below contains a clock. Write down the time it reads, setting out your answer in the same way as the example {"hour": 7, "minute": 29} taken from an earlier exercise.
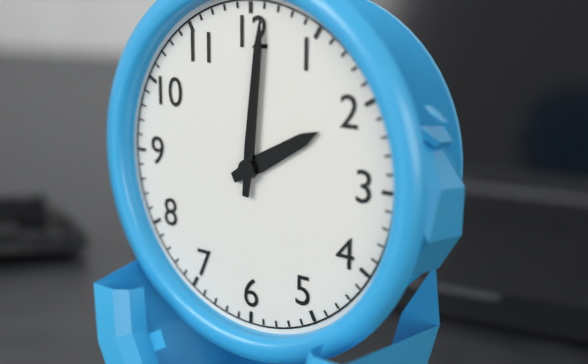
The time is {"hour": 2, "minute": 1}
